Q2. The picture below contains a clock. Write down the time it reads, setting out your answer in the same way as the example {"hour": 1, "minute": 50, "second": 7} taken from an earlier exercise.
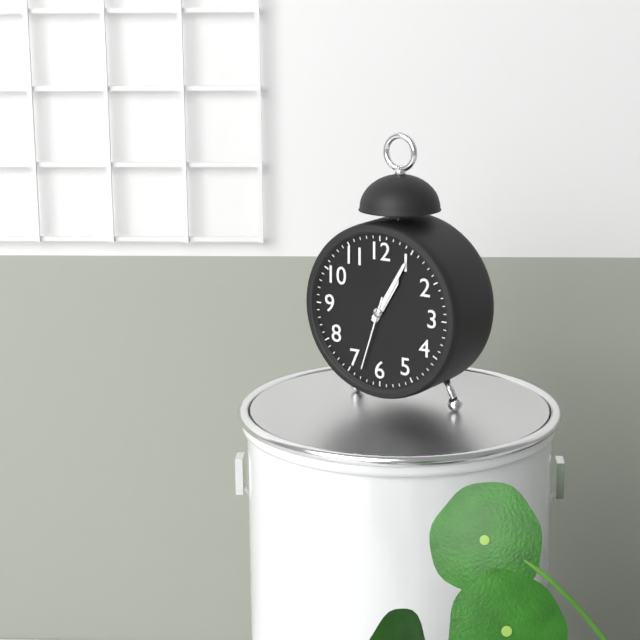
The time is {"hour": 1, "minute": 5, "second": 33}
